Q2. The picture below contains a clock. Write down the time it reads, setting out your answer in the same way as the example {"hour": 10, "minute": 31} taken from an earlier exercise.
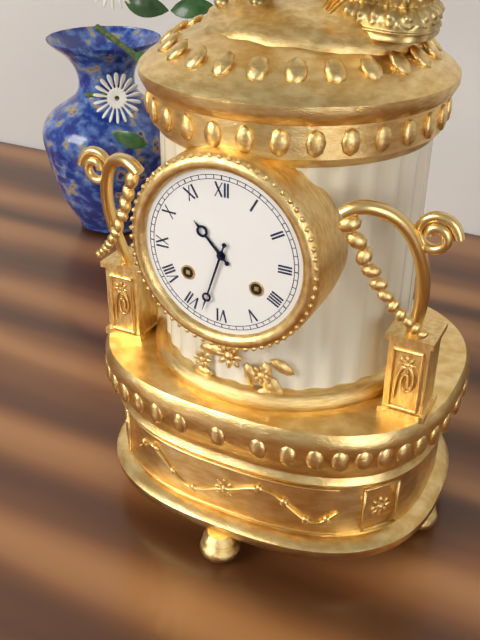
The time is {"hour": 10, "minute": 33}
